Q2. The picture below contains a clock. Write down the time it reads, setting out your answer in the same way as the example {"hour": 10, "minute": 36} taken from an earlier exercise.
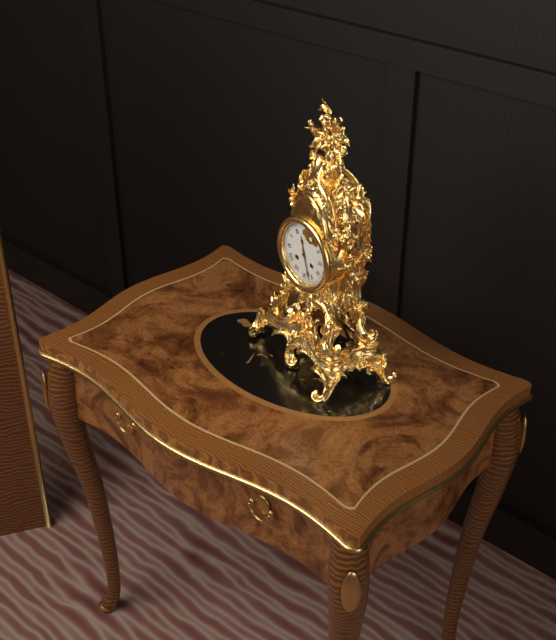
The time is {"hour": 11, "minute": 27}
